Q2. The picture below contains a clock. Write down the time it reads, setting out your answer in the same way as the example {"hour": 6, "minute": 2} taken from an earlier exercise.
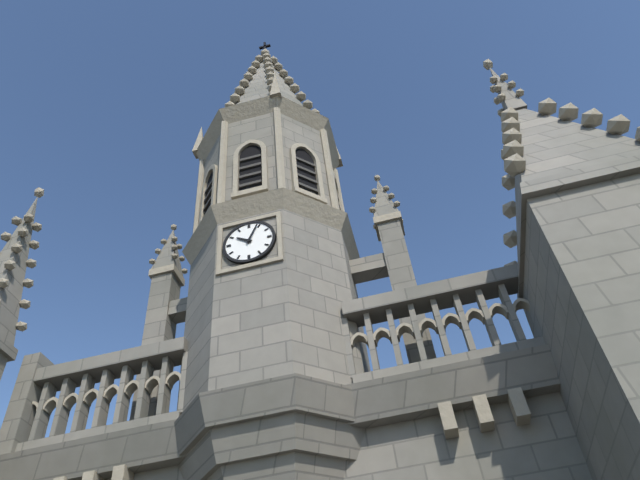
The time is {"hour": 10, "minute": 4}
